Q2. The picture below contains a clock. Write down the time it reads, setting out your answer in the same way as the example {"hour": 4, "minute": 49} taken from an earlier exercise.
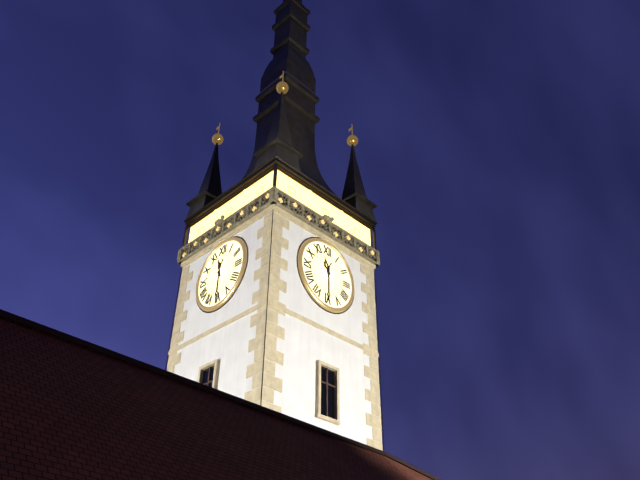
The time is {"hour": 11, "minute": 30}
